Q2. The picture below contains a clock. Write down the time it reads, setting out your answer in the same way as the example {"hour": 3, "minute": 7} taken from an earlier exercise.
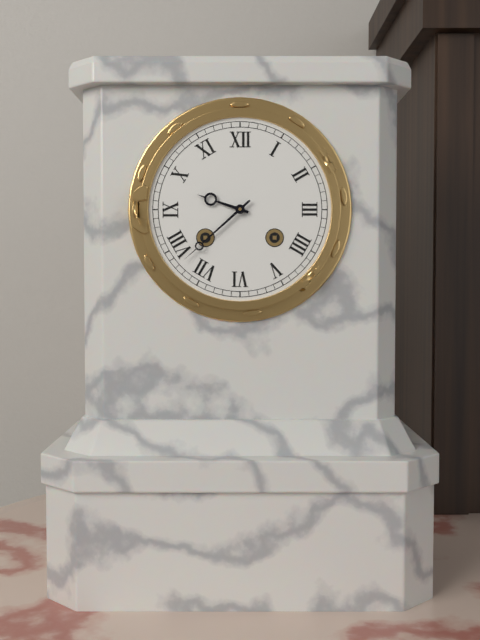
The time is {"hour": 9, "minute": 38}
